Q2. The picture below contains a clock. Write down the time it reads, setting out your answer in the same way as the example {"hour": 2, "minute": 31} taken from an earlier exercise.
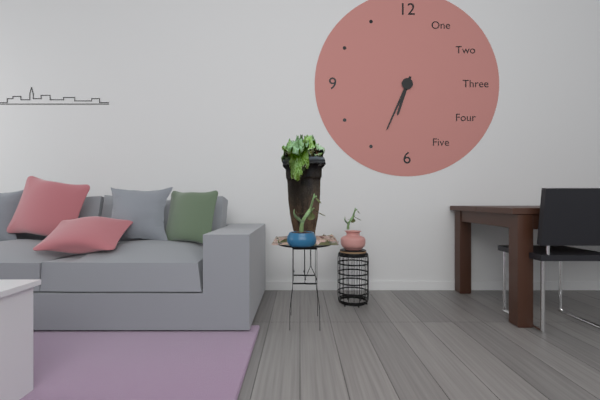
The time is {"hour": 6, "minute": 34}
